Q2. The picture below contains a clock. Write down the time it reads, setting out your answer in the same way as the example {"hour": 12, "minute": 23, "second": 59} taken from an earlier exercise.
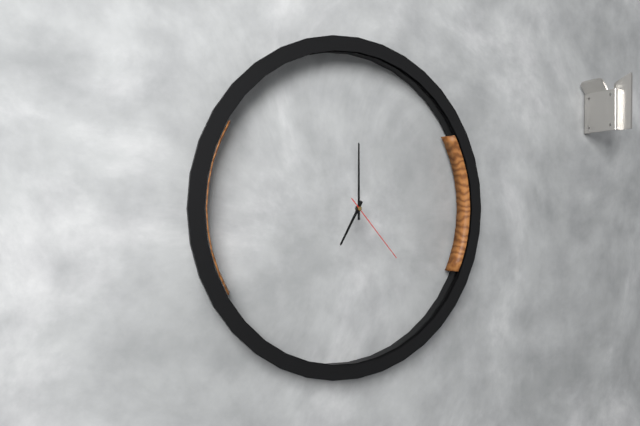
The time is {"hour": 7, "minute": 0, "second": 23}
